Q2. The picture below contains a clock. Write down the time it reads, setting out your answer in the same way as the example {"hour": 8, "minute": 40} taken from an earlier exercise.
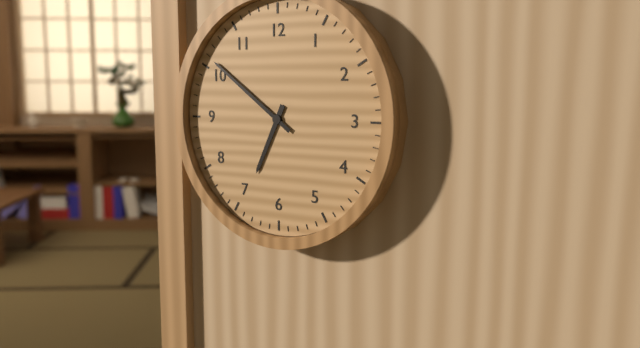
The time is {"hour": 6, "minute": 51}
